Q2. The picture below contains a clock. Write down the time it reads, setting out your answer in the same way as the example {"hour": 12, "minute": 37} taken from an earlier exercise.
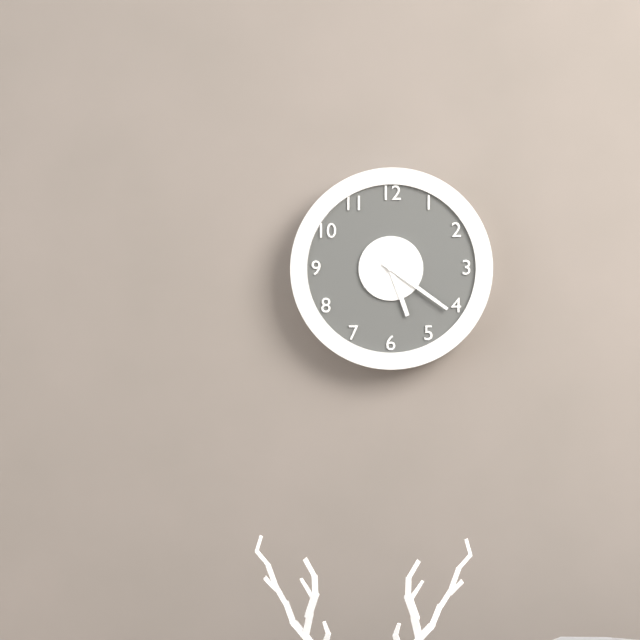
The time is {"hour": 5, "minute": 21}
